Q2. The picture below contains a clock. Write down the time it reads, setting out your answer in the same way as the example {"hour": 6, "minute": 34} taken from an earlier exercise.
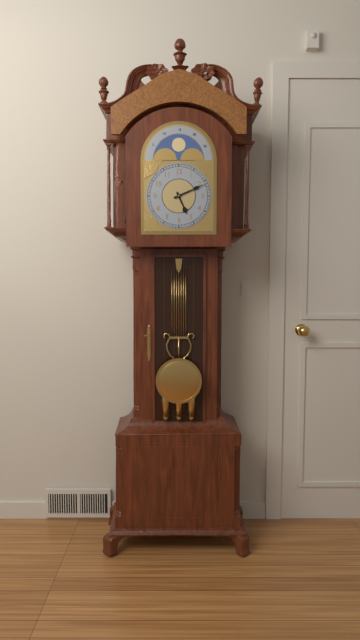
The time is {"hour": 5, "minute": 11}
